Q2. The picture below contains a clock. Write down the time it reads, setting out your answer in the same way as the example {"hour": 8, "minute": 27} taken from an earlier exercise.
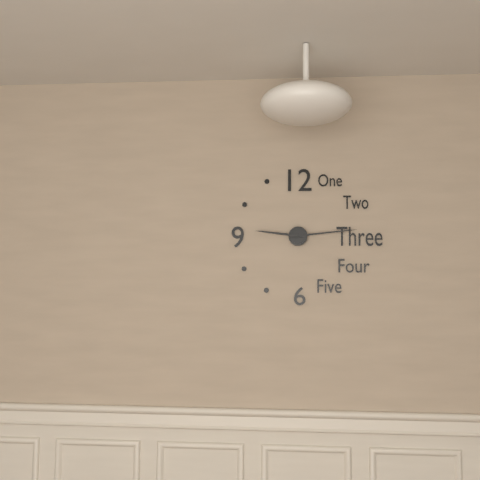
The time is {"hour": 9, "minute": 14}
